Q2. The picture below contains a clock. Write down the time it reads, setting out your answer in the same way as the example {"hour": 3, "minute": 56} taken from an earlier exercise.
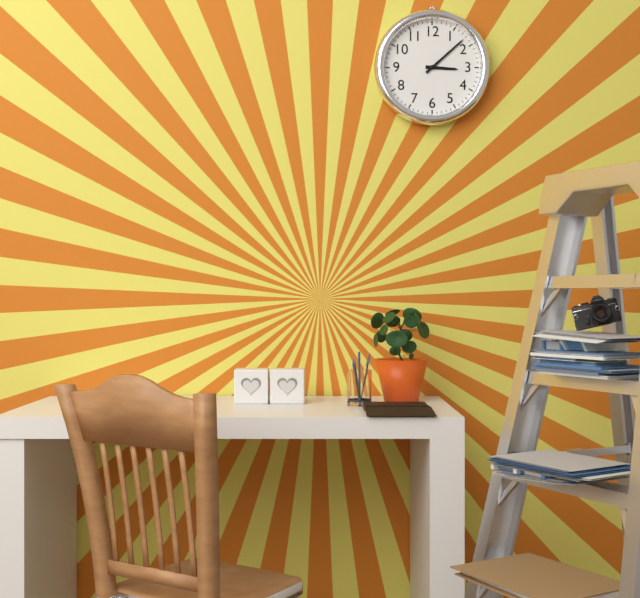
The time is {"hour": 3, "minute": 8}
